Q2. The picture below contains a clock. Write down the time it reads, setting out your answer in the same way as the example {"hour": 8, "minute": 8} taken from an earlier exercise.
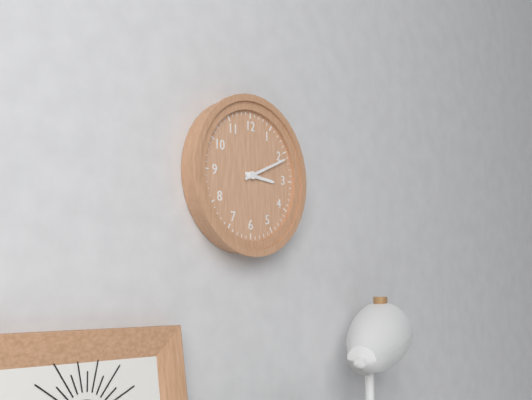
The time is {"hour": 3, "minute": 11}
